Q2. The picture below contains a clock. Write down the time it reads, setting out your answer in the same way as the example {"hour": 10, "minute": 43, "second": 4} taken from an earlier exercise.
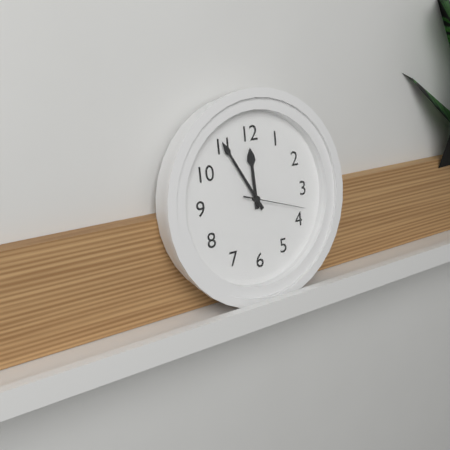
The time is {"hour": 11, "minute": 55, "second": 18}
